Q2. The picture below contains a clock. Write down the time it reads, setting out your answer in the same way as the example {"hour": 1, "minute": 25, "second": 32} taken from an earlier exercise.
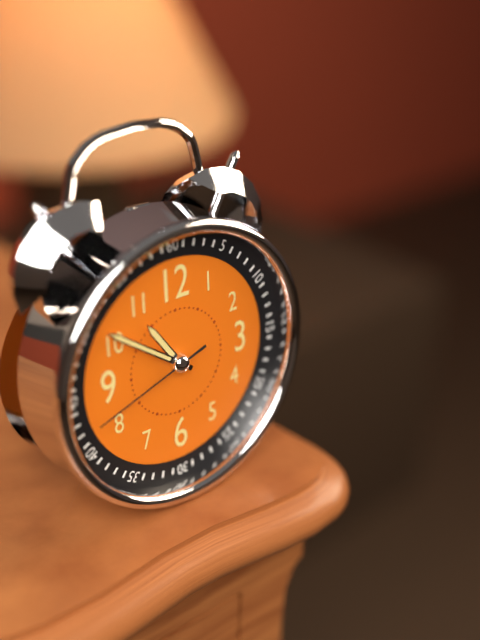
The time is {"hour": 10, "minute": 51, "second": 42}
